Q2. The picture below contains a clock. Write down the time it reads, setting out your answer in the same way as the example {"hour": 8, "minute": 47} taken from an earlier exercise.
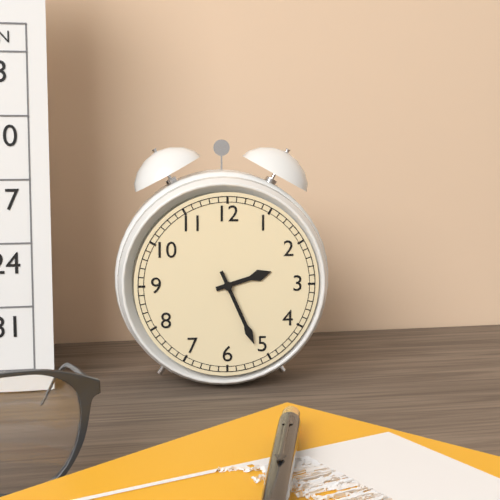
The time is {"hour": 2, "minute": 26}
